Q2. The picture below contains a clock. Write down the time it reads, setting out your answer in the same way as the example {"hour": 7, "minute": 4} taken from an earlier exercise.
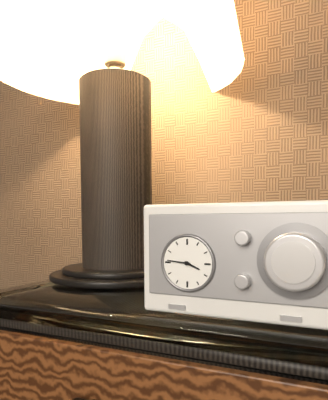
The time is {"hour": 3, "minute": 46}
